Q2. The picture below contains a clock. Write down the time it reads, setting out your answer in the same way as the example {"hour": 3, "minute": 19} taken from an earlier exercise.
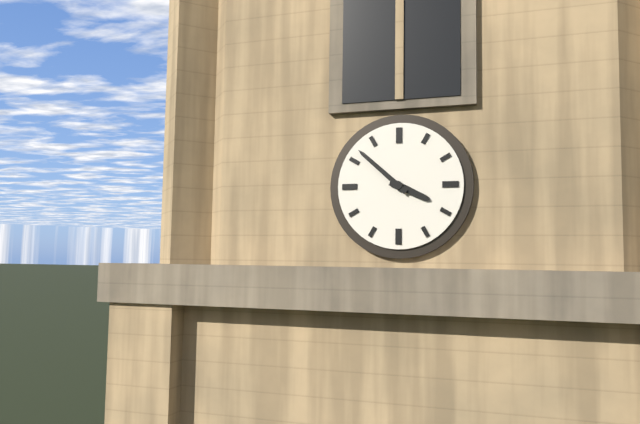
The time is {"hour": 3, "minute": 52}
